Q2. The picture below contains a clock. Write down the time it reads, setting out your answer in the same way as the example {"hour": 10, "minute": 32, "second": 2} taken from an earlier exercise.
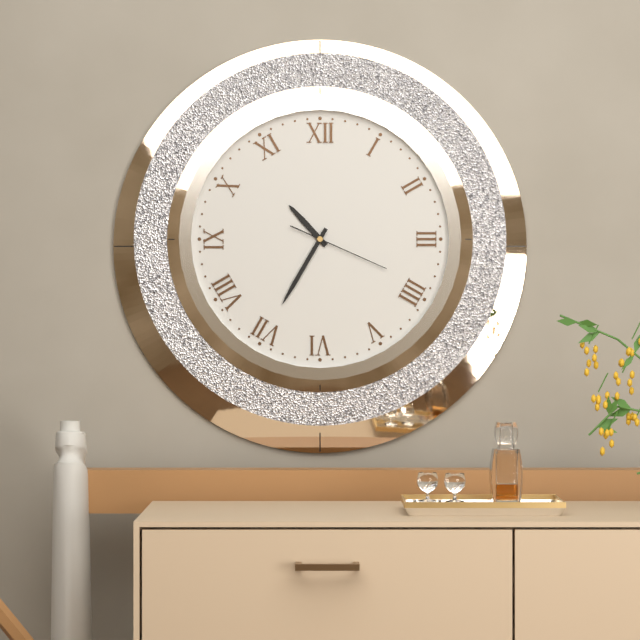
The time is {"hour": 10, "minute": 35, "second": 19}
